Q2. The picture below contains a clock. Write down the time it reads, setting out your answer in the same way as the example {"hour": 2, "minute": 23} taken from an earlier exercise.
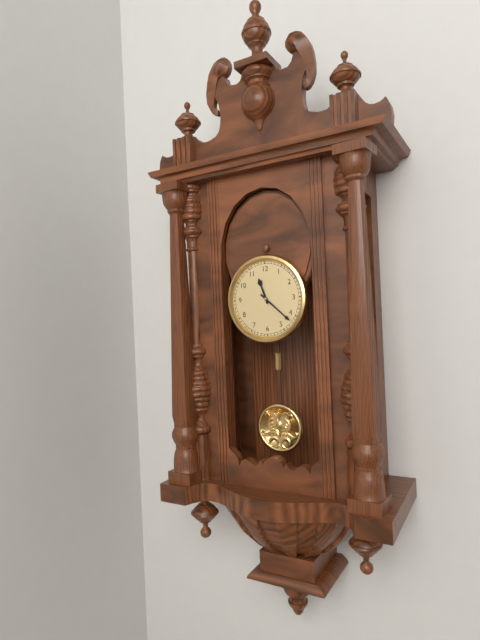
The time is {"hour": 11, "minute": 22}
